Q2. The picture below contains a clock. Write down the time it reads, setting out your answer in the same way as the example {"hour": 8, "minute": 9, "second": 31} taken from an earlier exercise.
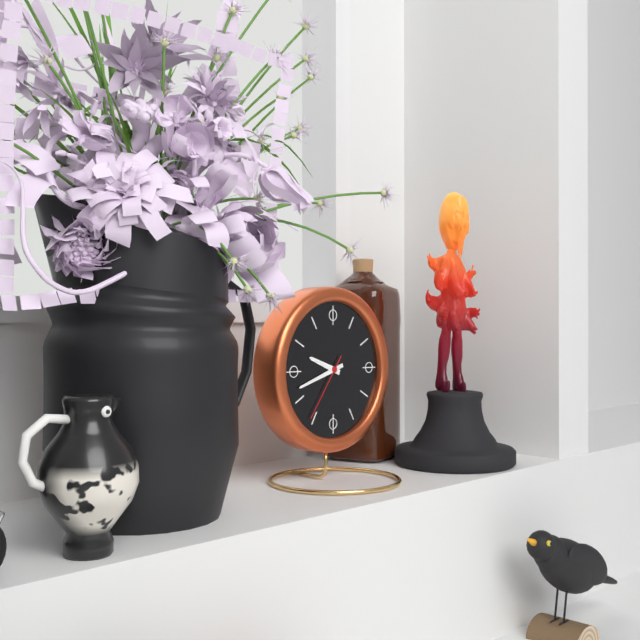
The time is {"hour": 9, "minute": 42, "second": 36}
